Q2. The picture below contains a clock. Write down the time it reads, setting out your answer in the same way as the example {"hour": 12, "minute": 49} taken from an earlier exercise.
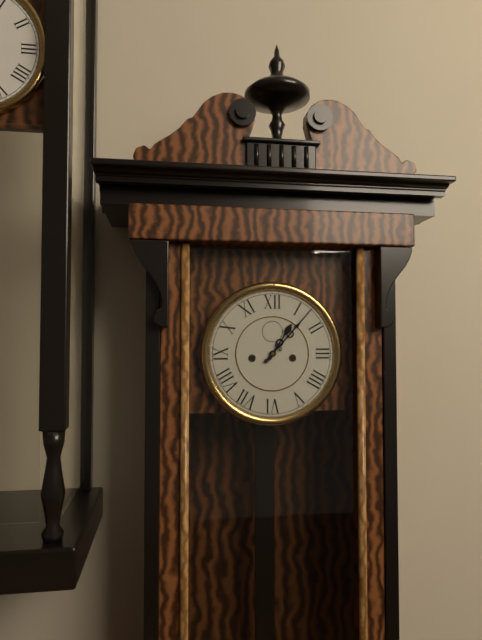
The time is {"hour": 1, "minute": 7}
